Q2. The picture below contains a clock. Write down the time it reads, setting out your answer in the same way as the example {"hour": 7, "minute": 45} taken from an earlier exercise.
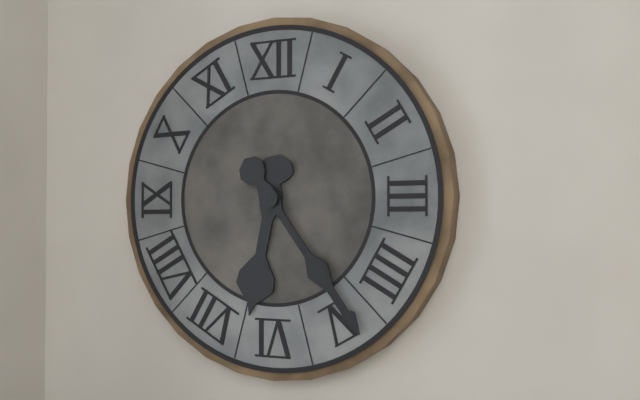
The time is {"hour": 6, "minute": 24}
